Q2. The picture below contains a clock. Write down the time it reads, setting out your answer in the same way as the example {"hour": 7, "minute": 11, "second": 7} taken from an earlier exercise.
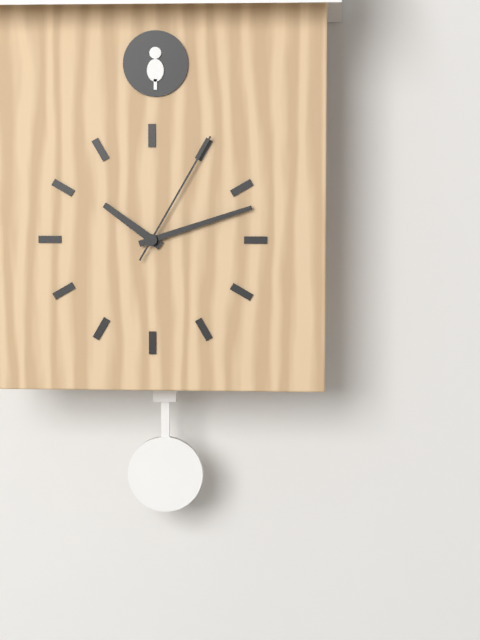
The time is {"hour": 10, "minute": 12, "second": 5}
